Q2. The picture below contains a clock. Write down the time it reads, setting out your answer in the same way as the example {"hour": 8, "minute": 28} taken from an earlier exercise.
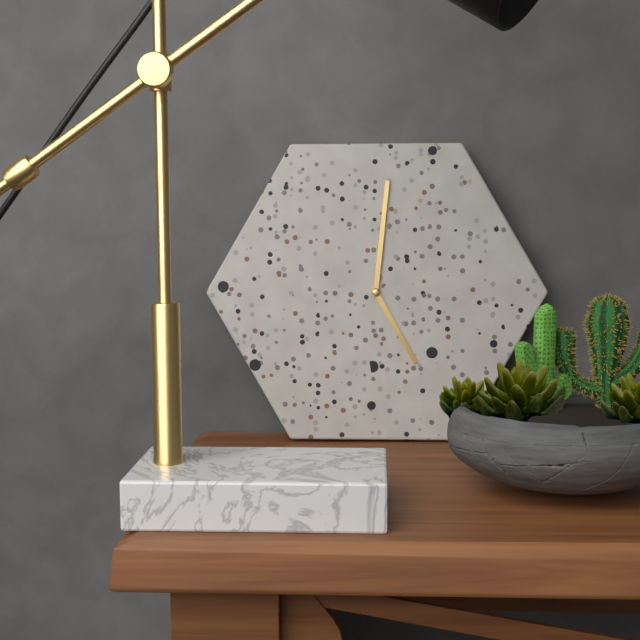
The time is {"hour": 5, "minute": 1}
